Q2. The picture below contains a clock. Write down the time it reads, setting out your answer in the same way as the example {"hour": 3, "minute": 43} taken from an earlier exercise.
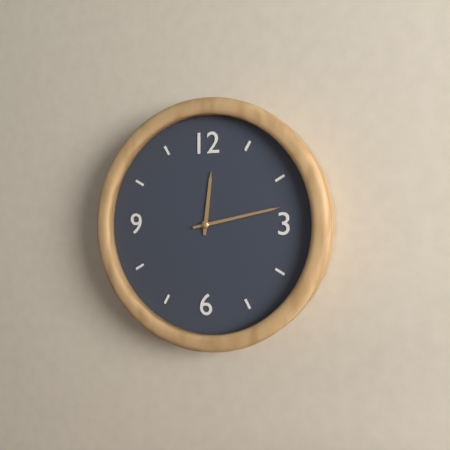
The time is {"hour": 12, "minute": 13}
